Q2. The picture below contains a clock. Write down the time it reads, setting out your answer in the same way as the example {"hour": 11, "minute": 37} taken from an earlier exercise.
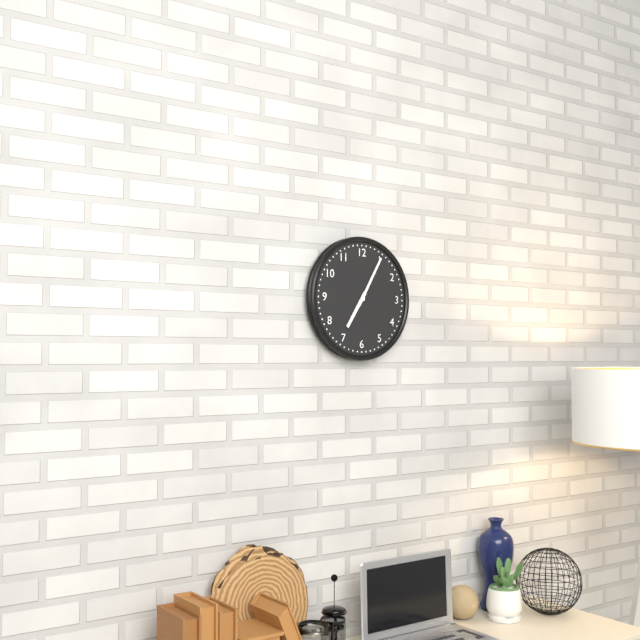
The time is {"hour": 7, "minute": 5}
